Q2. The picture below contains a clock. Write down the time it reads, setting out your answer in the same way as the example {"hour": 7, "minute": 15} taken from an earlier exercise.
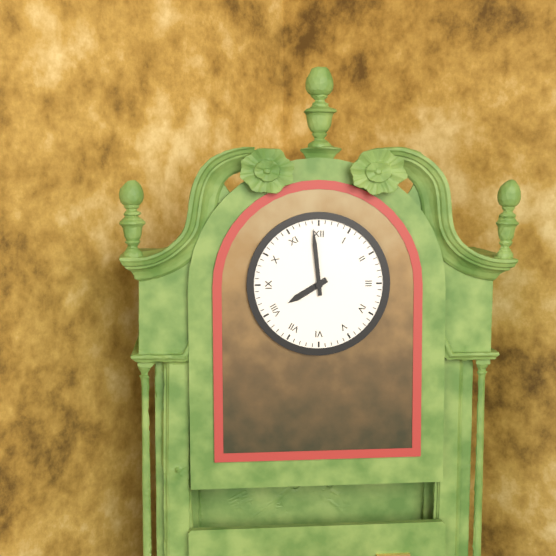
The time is {"hour": 7, "minute": 59}
